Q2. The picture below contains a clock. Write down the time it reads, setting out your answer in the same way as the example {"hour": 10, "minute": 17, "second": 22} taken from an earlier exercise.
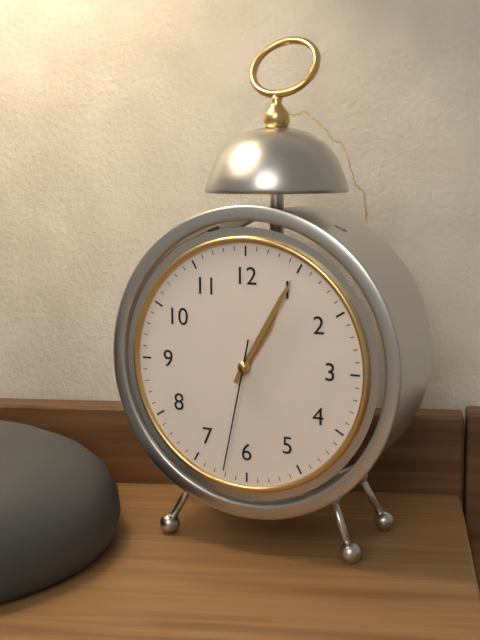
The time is {"hour": 1, "minute": 5, "second": 32}
